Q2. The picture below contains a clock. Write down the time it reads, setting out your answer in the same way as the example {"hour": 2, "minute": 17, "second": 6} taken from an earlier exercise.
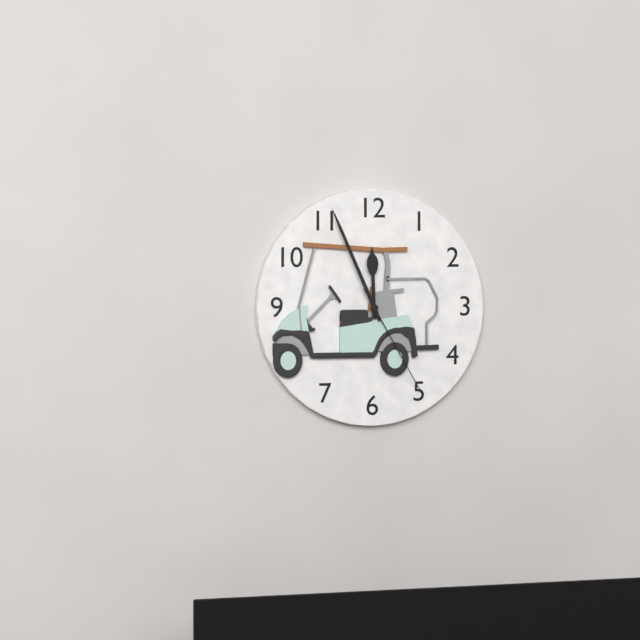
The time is {"hour": 11, "minute": 56, "second": 25}
